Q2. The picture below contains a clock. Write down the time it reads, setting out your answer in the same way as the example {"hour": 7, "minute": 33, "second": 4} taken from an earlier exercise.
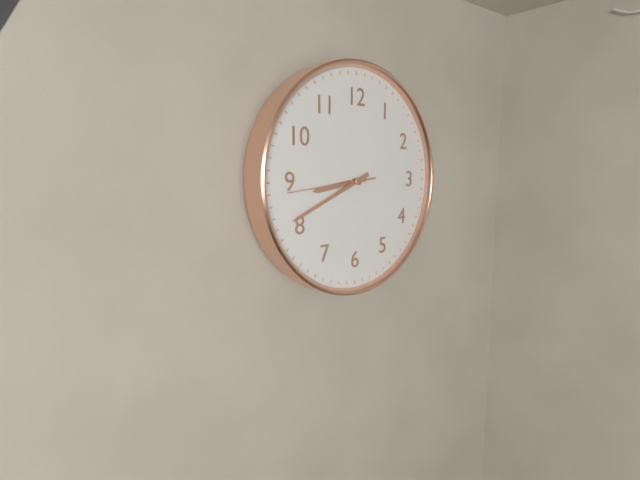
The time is {"hour": 8, "minute": 41, "second": 44}
